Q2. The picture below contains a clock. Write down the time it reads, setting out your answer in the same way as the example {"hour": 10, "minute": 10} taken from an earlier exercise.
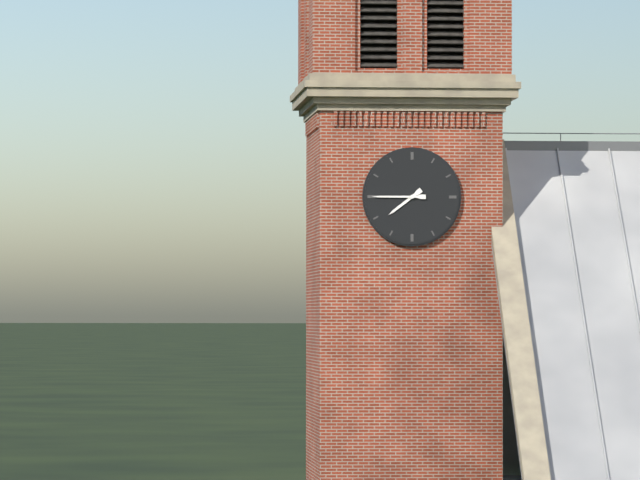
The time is {"hour": 7, "minute": 45}
